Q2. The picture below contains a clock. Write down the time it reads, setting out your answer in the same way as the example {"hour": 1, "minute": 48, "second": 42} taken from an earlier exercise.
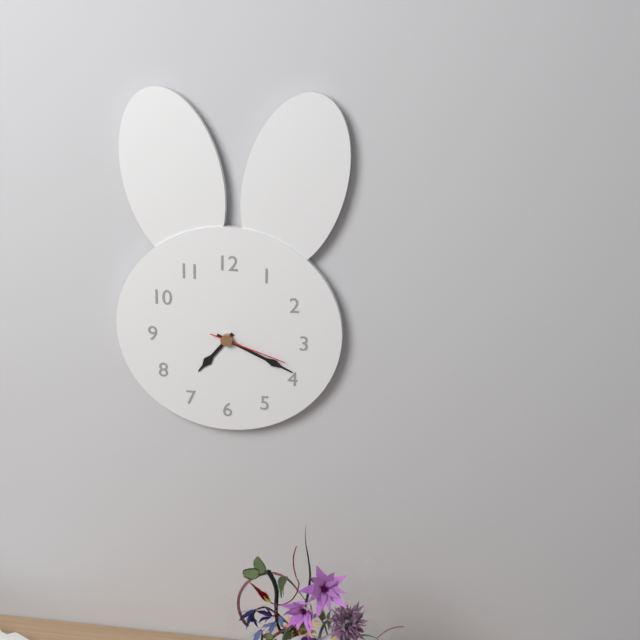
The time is {"hour": 7, "minute": 19, "second": 18}
